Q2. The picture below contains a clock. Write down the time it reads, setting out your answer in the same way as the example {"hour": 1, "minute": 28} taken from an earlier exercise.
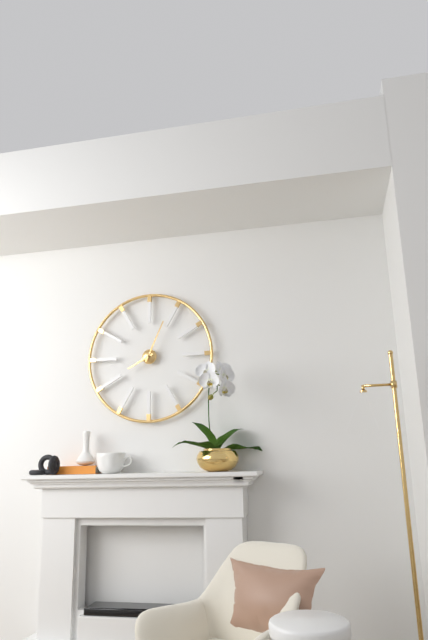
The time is {"hour": 8, "minute": 4}
